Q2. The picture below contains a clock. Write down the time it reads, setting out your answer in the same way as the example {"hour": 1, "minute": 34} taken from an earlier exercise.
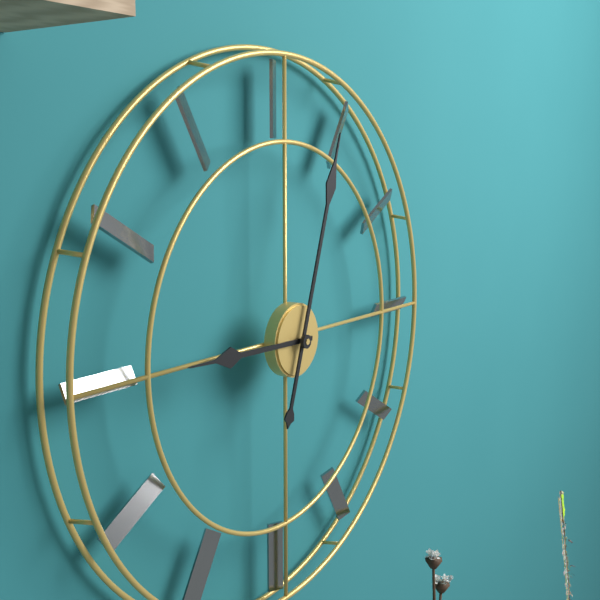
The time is {"hour": 9, "minute": 3}
